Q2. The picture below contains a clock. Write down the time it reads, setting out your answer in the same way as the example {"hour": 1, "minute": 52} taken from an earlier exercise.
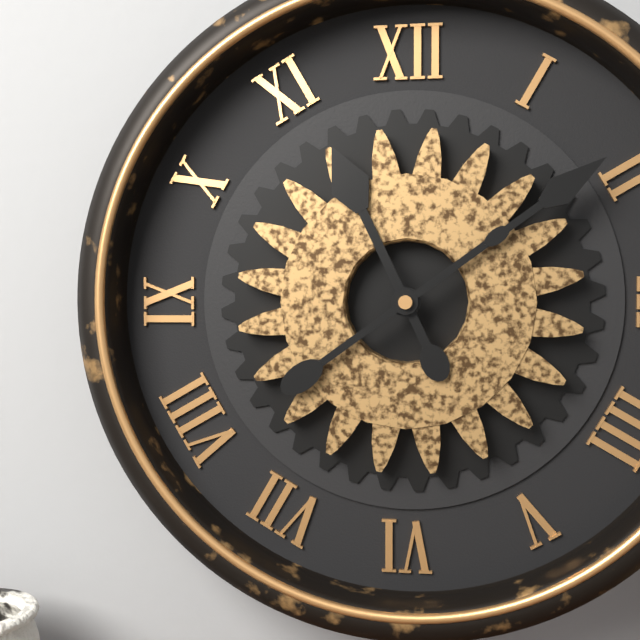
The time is {"hour": 11, "minute": 9}
